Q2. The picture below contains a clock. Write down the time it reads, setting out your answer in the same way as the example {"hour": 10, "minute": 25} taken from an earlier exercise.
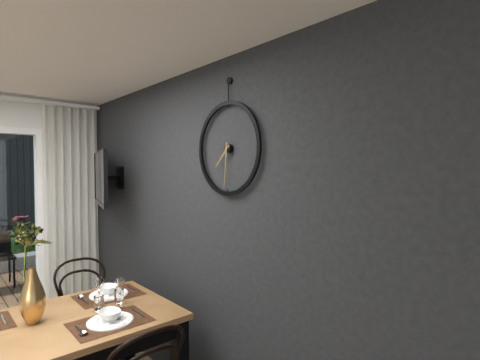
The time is {"hour": 7, "minute": 31}
